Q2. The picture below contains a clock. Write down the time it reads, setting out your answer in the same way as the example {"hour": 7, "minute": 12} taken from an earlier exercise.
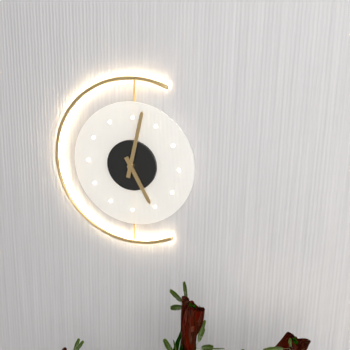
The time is {"hour": 5, "minute": 2}
